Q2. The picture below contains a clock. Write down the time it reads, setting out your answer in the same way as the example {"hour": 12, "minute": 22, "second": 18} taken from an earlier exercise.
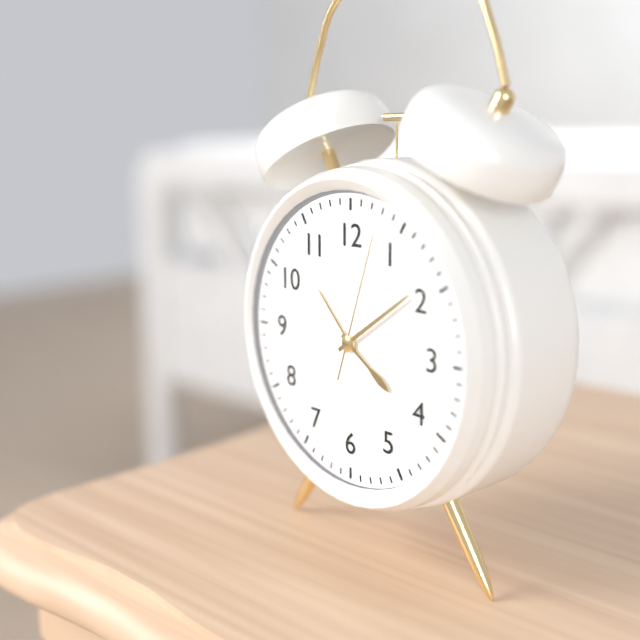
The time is {"hour": 4, "minute": 9, "second": 3}
